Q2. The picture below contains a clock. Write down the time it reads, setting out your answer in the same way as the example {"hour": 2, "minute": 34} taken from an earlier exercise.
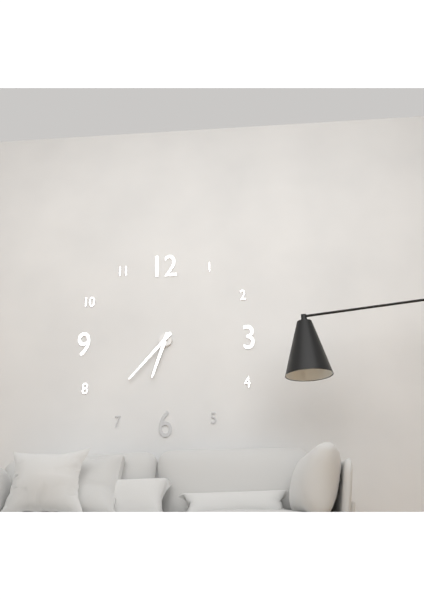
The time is {"hour": 6, "minute": 37}
